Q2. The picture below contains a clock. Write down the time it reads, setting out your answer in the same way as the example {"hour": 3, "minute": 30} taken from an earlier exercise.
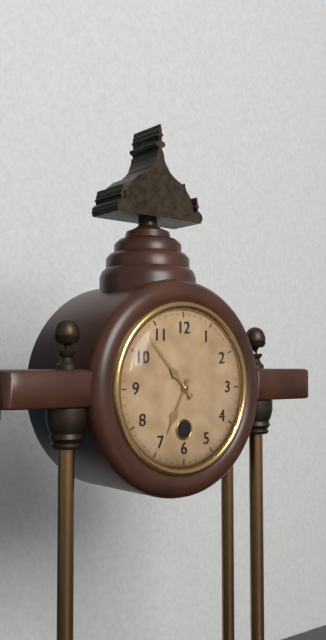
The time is {"hour": 6, "minute": 53}
